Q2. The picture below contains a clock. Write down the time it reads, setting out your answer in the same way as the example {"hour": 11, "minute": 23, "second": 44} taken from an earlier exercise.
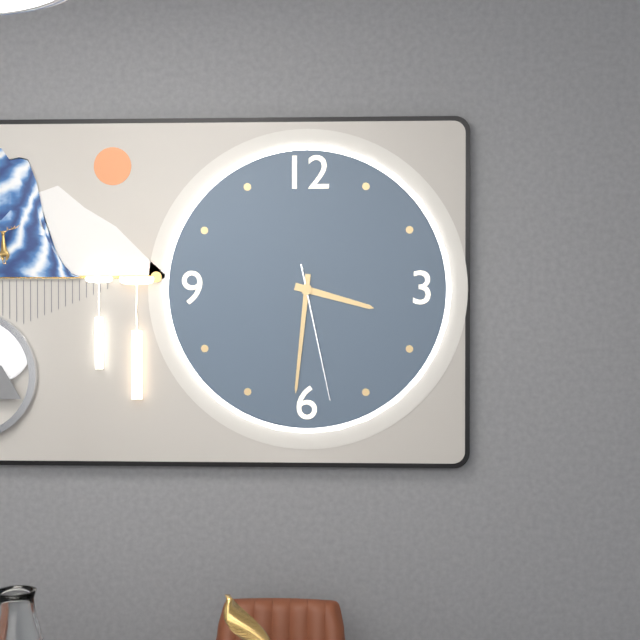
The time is {"hour": 3, "minute": 31, "second": 28}
